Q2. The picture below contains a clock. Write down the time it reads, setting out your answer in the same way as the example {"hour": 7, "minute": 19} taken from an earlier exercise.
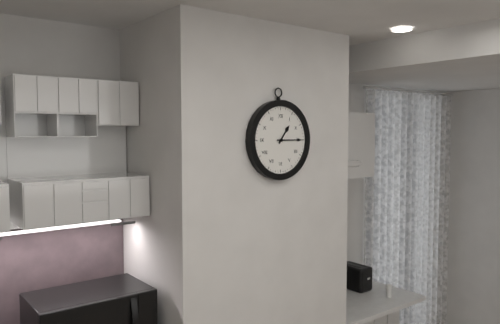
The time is {"hour": 1, "minute": 15}
